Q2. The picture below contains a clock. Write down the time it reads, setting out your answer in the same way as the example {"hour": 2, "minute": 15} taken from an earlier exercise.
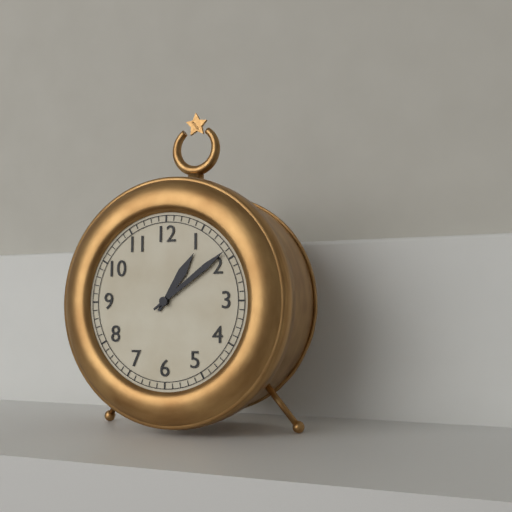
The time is {"hour": 1, "minute": 9}
